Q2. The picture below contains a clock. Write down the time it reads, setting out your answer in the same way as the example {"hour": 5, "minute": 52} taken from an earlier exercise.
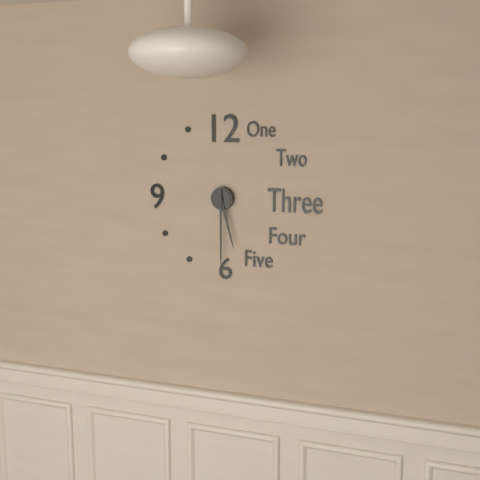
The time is {"hour": 5, "minute": 30}
